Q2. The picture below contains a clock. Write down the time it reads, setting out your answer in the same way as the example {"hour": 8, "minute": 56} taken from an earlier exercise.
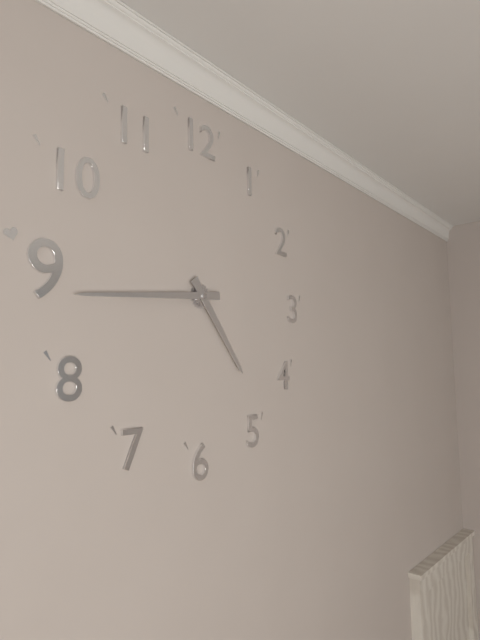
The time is {"hour": 4, "minute": 44}
